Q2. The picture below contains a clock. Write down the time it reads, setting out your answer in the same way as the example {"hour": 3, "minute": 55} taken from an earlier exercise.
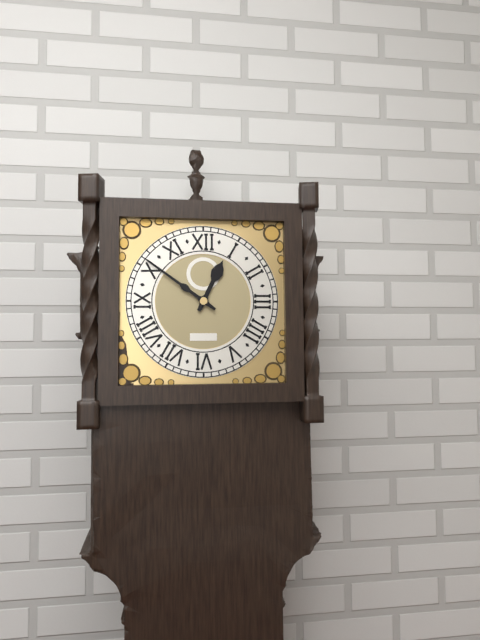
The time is {"hour": 12, "minute": 51}
